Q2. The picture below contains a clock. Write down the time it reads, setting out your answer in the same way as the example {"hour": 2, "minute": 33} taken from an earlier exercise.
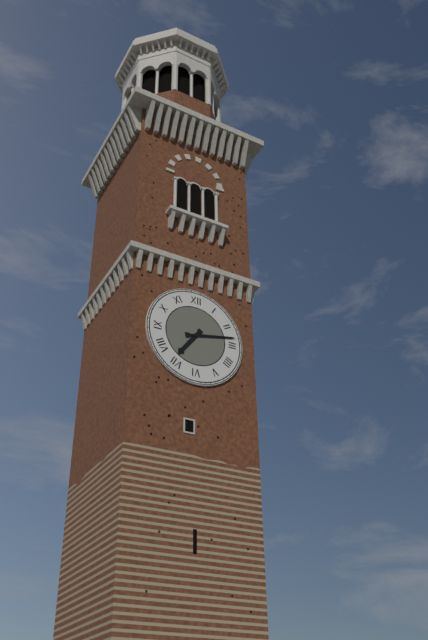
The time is {"hour": 7, "minute": 13}
